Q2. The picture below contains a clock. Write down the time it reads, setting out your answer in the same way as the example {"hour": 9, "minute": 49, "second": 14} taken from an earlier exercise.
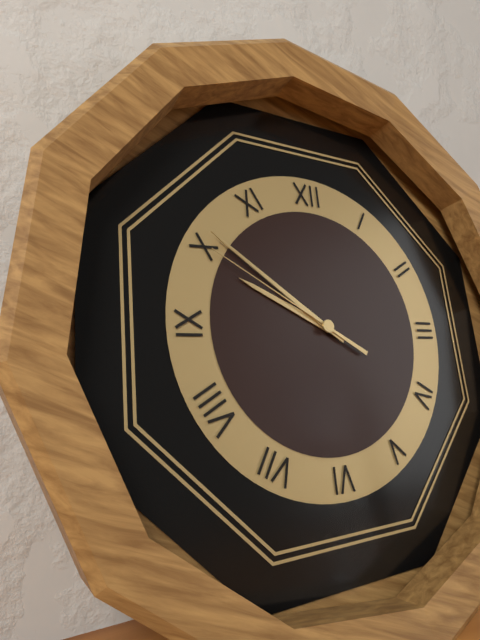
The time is {"hour": 9, "minute": 51, "second": 50}
